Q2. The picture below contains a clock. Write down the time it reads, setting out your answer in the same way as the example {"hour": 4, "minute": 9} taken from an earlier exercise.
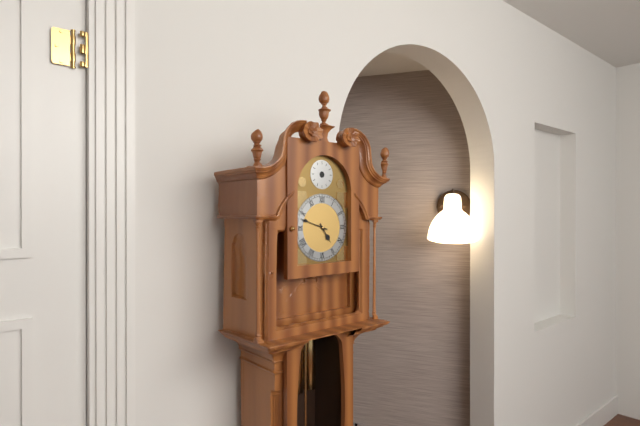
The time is {"hour": 4, "minute": 48}
